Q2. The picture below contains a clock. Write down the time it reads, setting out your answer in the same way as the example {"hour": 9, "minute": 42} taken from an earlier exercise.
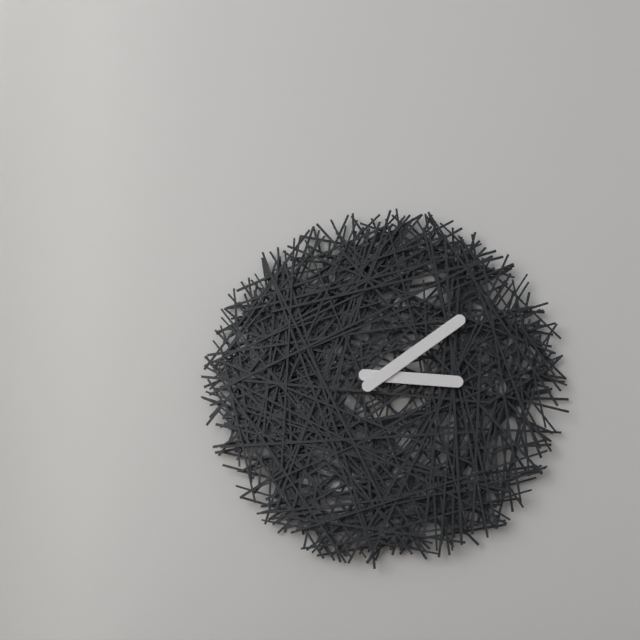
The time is {"hour": 3, "minute": 9}
